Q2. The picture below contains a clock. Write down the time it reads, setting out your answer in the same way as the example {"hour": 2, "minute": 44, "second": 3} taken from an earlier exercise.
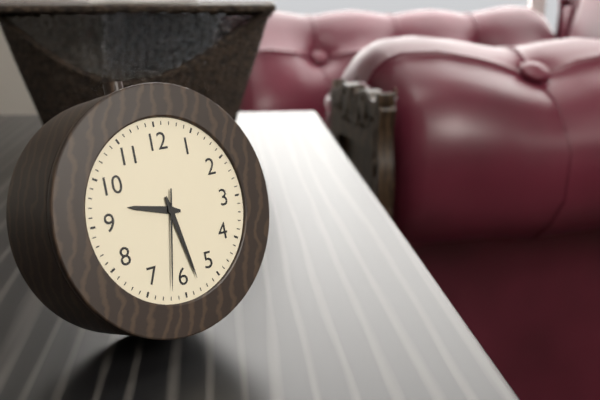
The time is {"hour": 9, "minute": 28, "second": 32}
